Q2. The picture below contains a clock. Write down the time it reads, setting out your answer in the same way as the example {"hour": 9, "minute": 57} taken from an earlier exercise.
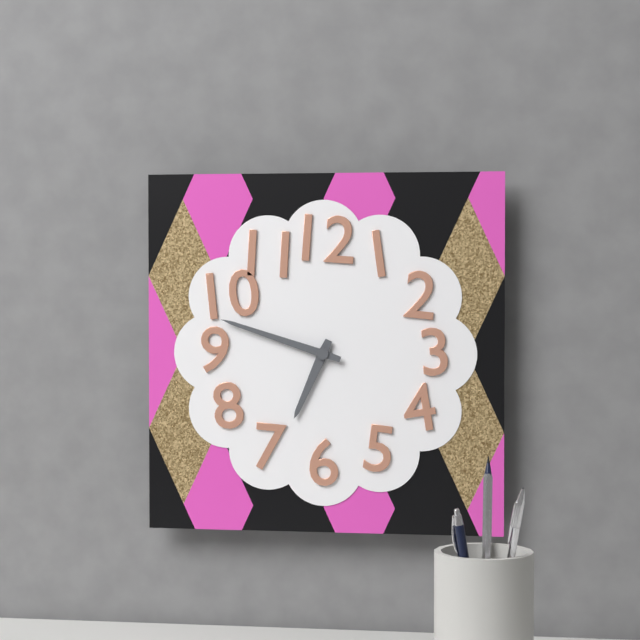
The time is {"hour": 6, "minute": 48}
